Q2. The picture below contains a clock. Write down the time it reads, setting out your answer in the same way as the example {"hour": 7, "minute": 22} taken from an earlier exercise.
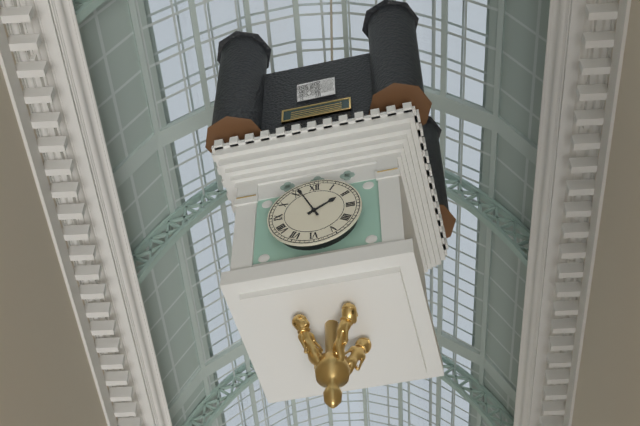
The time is {"hour": 1, "minute": 56}
